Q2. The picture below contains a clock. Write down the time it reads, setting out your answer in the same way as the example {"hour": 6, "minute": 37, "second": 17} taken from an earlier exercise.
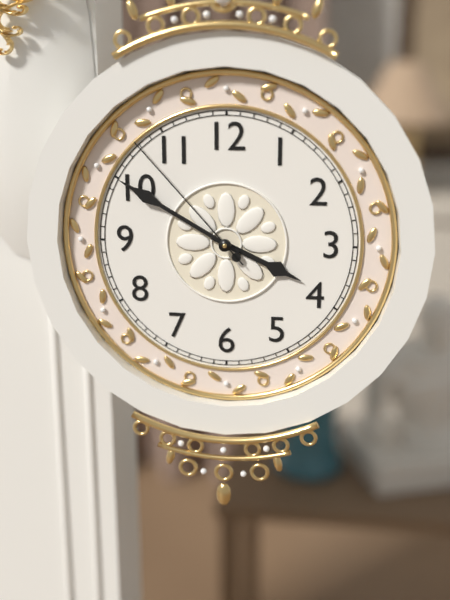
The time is {"hour": 3, "minute": 50, "second": 53}
